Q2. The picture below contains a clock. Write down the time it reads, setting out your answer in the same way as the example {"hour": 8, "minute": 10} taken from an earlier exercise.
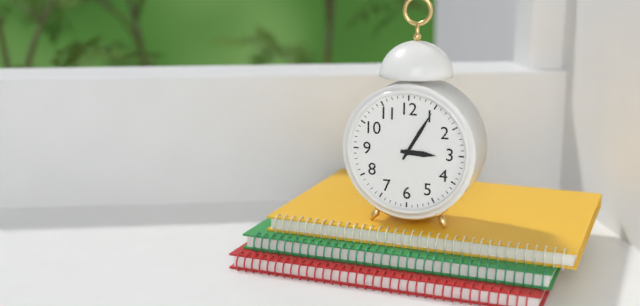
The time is {"hour": 3, "minute": 5}
